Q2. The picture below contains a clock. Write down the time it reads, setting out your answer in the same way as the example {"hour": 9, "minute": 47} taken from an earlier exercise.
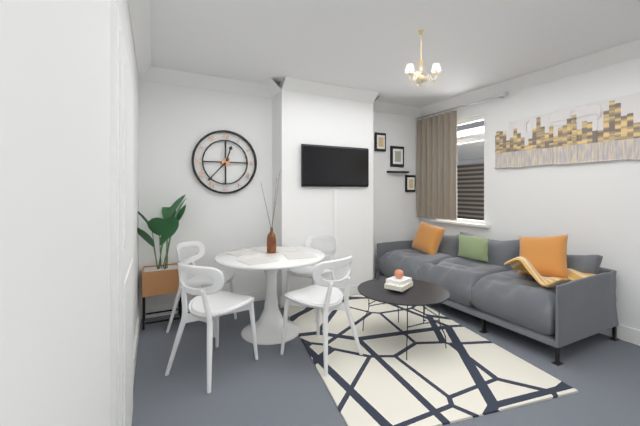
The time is {"hour": 12, "minute": 37}
